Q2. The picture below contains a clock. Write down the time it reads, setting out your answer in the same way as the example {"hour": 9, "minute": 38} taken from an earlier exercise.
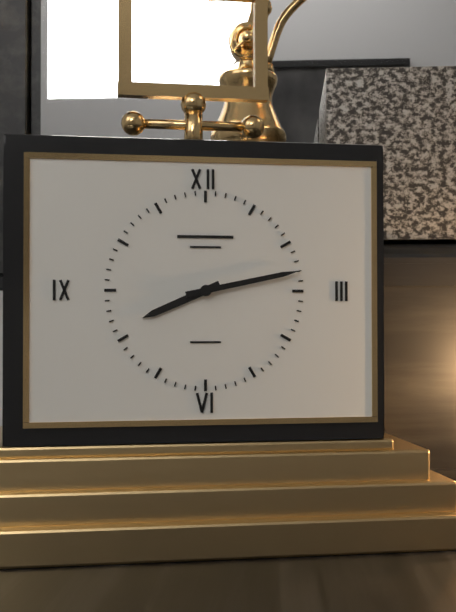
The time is {"hour": 8, "minute": 13}
